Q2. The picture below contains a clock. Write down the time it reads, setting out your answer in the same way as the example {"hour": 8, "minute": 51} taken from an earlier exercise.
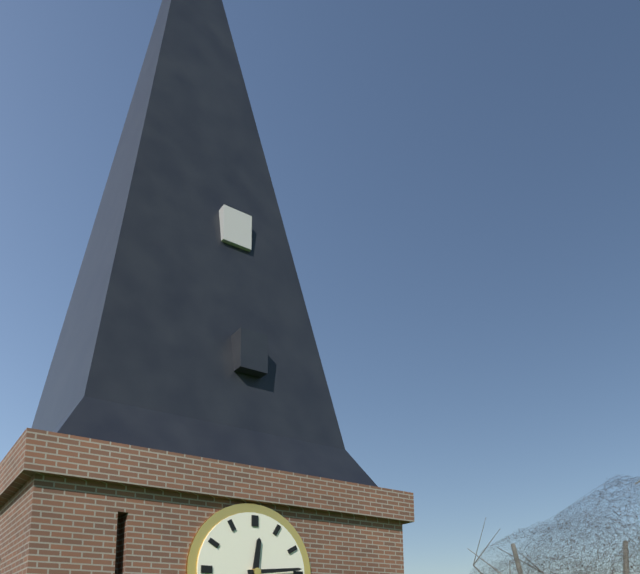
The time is {"hour": 12, "minute": 14}
